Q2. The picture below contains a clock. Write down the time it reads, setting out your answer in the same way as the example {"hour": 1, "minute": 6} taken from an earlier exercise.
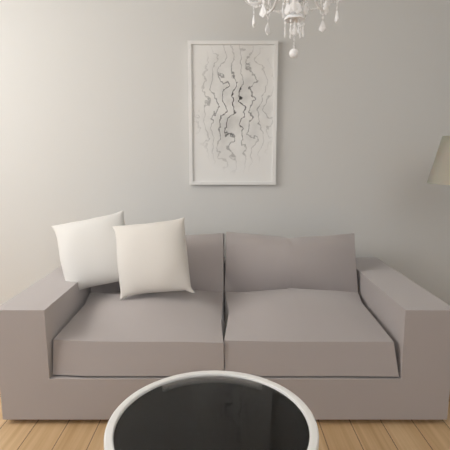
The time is {"hour": 3, "minute": 6}
